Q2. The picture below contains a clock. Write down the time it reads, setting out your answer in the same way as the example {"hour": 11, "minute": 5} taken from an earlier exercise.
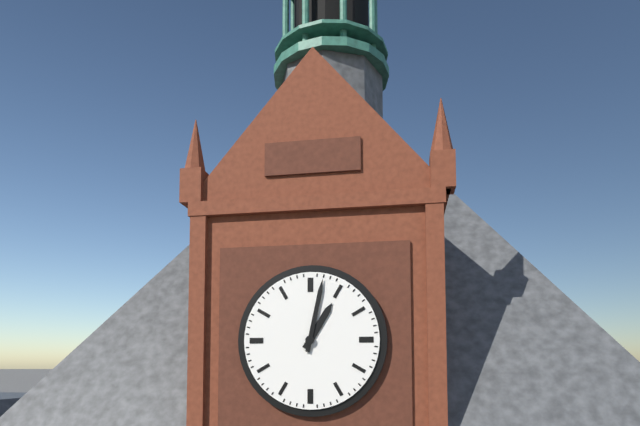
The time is {"hour": 1, "minute": 2}
